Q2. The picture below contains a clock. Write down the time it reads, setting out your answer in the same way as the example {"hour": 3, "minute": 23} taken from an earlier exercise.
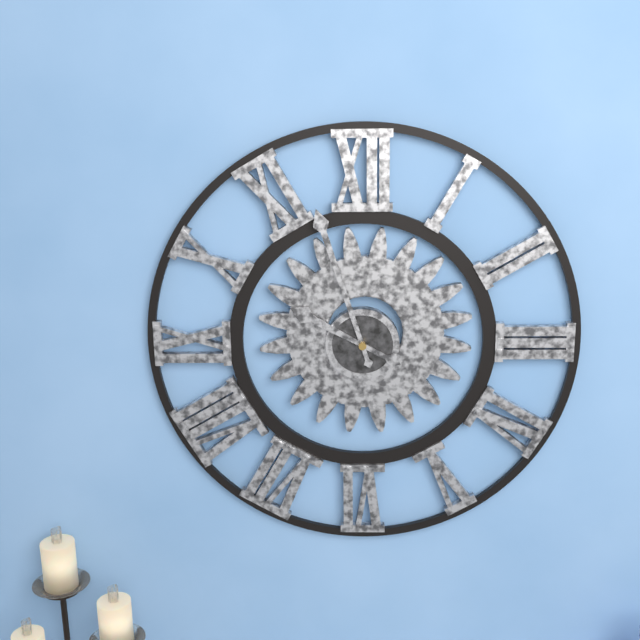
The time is {"hour": 9, "minute": 57}
